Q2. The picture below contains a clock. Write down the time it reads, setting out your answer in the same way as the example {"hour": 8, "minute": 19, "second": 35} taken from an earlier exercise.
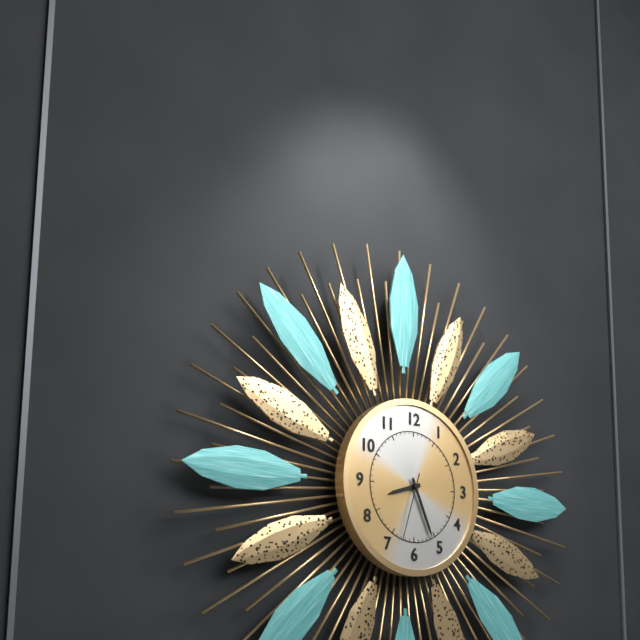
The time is {"hour": 8, "minute": 26, "second": 33}
